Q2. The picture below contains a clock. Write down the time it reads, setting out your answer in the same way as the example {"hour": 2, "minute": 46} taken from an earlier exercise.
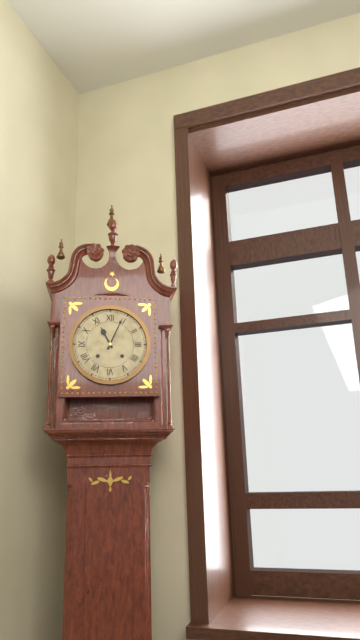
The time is {"hour": 11, "minute": 4}
